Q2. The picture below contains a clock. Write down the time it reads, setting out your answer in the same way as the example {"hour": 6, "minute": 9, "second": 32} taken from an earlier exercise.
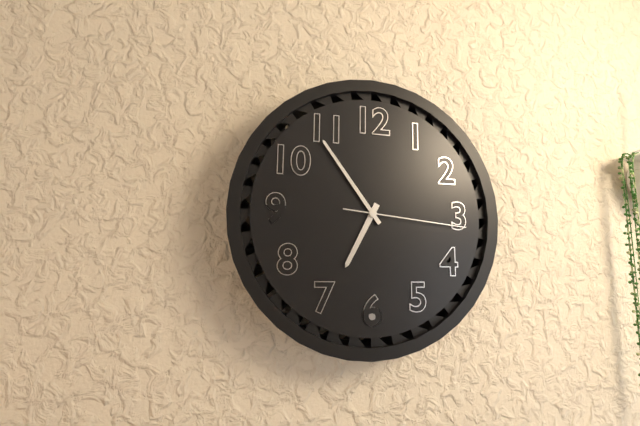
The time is {"hour": 6, "minute": 54, "second": 16}
